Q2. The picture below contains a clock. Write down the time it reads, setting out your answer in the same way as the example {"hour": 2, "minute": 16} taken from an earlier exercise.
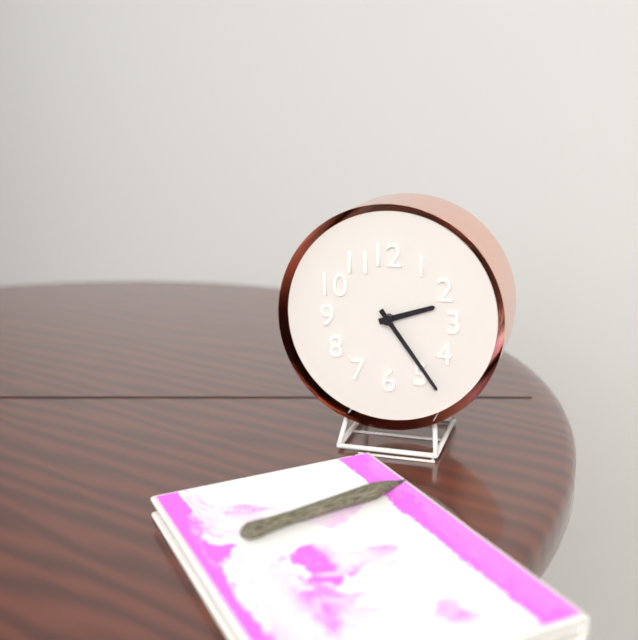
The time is {"hour": 2, "minute": 24}
